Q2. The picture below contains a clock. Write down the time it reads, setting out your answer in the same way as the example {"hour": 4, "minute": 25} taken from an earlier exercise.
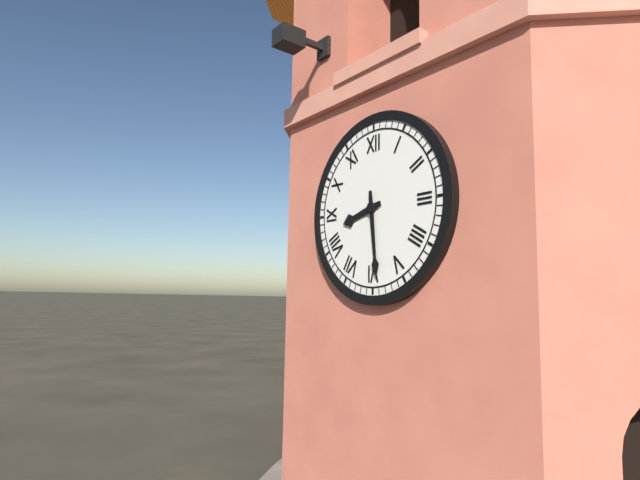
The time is {"hour": 8, "minute": 29}
